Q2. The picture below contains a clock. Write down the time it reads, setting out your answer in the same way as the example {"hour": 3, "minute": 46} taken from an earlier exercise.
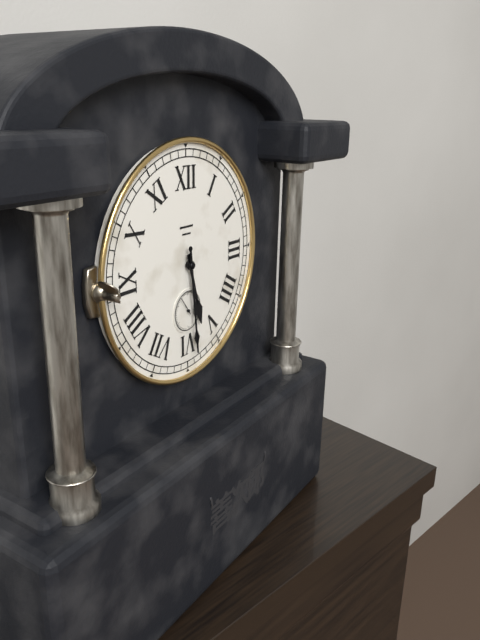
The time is {"hour": 5, "minute": 29}
